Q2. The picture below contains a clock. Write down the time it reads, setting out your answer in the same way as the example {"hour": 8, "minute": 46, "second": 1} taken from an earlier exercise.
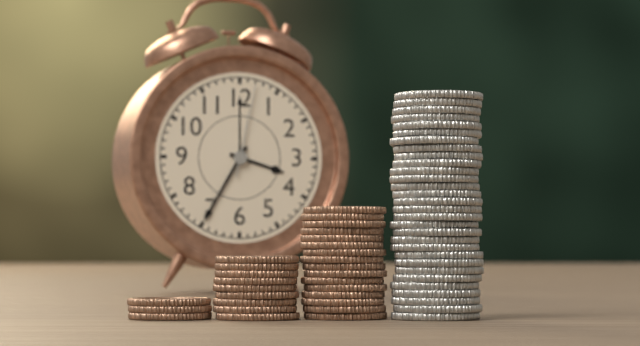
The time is {"hour": 3, "minute": 35, "second": 2}
